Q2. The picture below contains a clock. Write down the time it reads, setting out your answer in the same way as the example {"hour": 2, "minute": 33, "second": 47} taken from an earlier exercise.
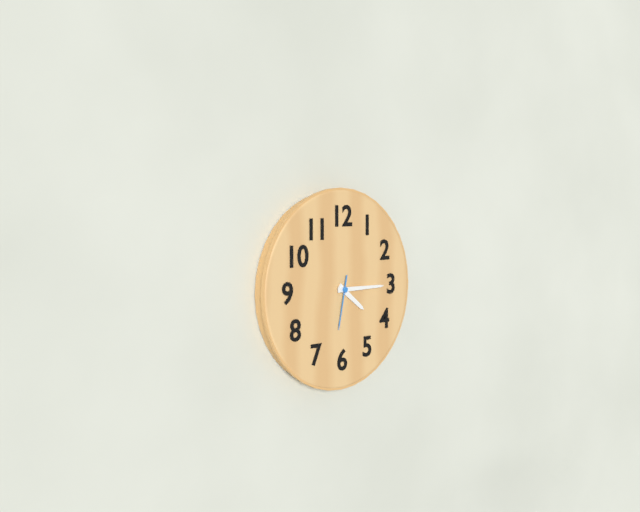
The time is {"hour": 4, "minute": 15, "second": 32}
